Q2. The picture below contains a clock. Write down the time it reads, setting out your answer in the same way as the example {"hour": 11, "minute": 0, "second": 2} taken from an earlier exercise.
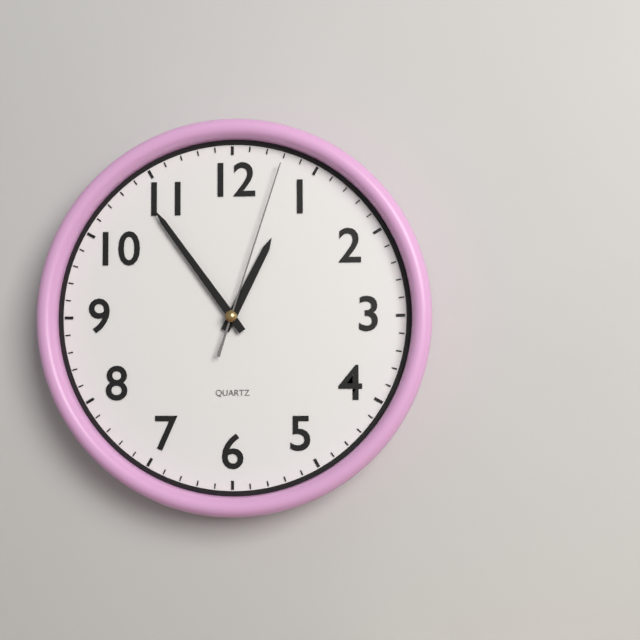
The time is {"hour": 12, "minute": 54, "second": 3}
